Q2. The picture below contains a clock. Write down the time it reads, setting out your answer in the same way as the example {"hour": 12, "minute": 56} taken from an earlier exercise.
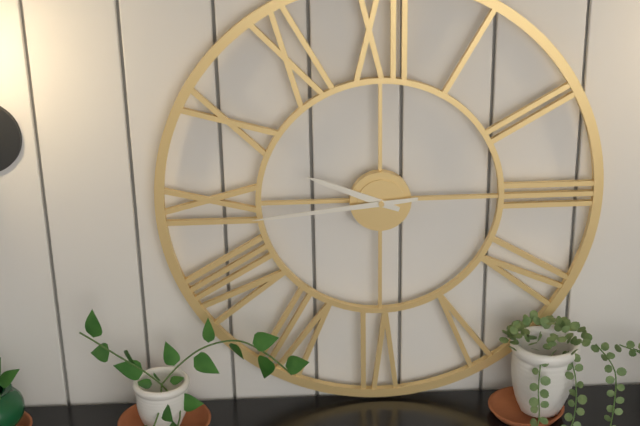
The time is {"hour": 9, "minute": 44}
